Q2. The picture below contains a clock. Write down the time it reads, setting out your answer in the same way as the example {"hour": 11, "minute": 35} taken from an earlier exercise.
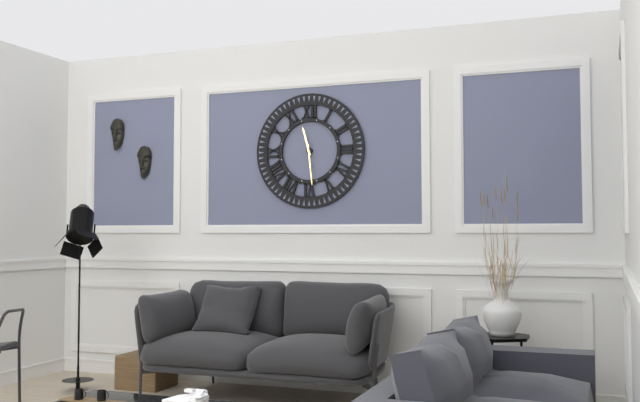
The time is {"hour": 11, "minute": 29}
